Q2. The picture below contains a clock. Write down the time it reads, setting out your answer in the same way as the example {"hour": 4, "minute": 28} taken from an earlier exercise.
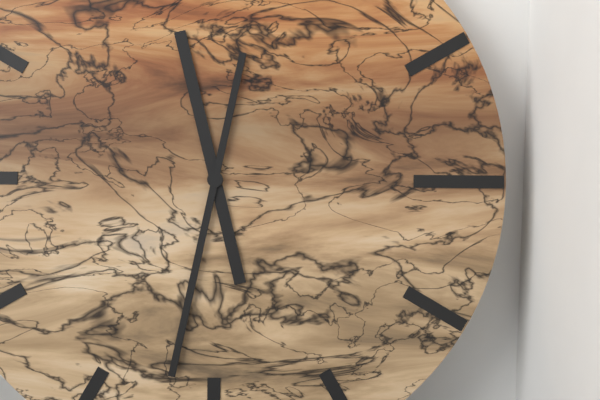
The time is {"hour": 11, "minute": 32}
